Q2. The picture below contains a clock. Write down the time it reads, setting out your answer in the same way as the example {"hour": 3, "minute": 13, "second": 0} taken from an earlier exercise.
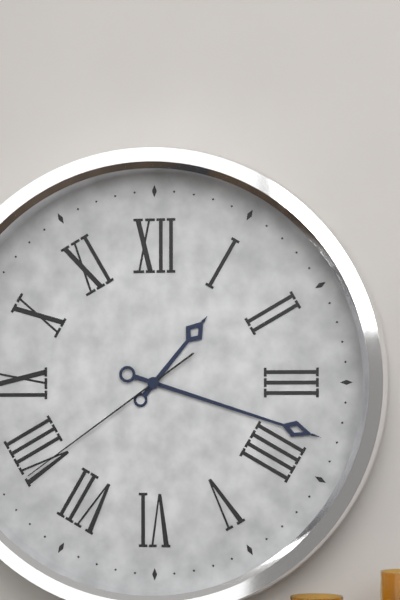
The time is {"hour": 1, "minute": 18, "second": 39}
